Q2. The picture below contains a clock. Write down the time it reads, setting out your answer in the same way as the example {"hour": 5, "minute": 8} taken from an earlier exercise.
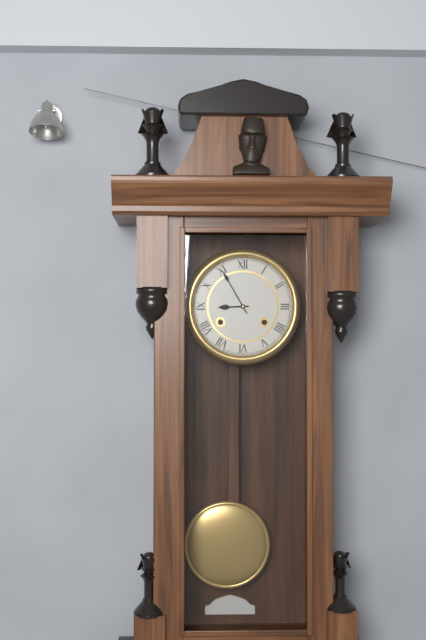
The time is {"hour": 8, "minute": 55}
